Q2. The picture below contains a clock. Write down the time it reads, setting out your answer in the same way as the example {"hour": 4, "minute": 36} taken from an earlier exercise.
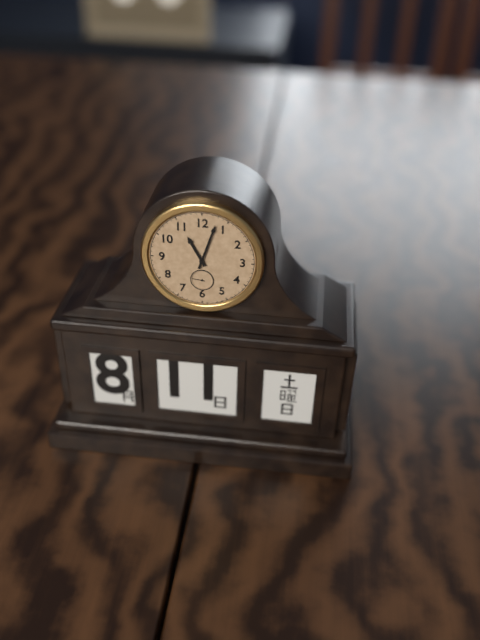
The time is {"hour": 11, "minute": 3}
